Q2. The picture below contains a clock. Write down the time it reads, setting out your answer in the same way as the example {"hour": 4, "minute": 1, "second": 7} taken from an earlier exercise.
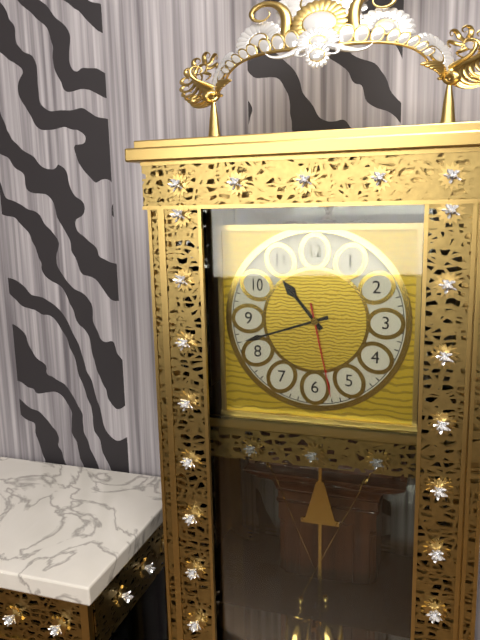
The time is {"hour": 10, "minute": 42, "second": 28}
